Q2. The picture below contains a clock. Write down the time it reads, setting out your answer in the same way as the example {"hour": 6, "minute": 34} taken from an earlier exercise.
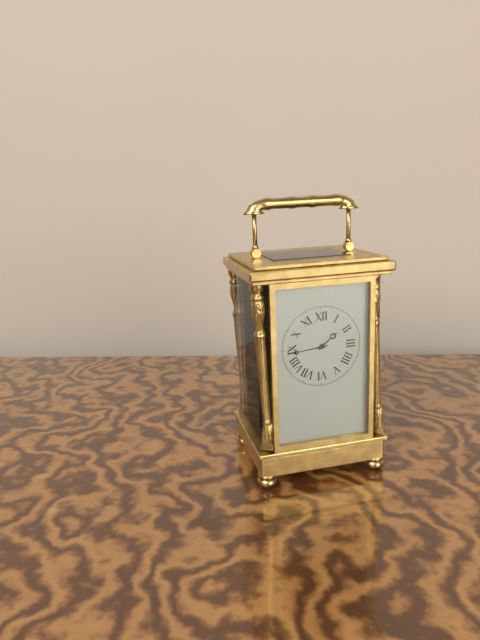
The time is {"hour": 1, "minute": 44}
